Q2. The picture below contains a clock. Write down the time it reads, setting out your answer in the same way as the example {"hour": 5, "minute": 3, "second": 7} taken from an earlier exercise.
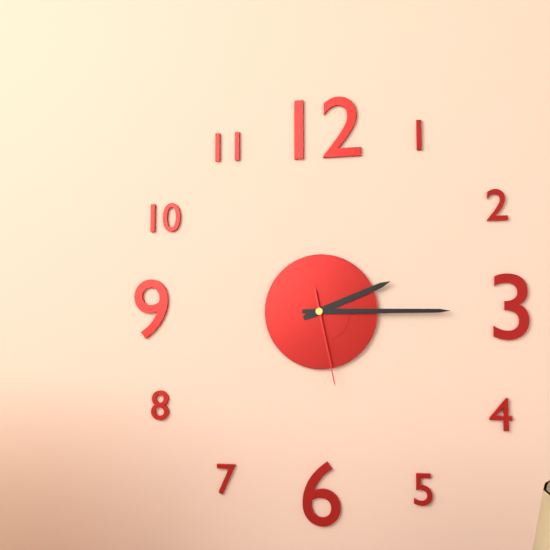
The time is {"hour": 2, "minute": 15, "second": 28}
